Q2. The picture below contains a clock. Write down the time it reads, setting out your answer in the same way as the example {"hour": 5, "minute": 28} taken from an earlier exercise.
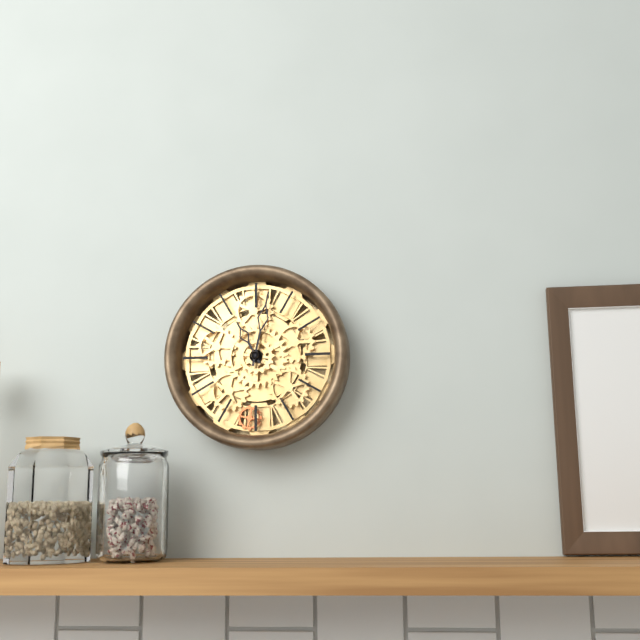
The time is {"hour": 11, "minute": 2}
